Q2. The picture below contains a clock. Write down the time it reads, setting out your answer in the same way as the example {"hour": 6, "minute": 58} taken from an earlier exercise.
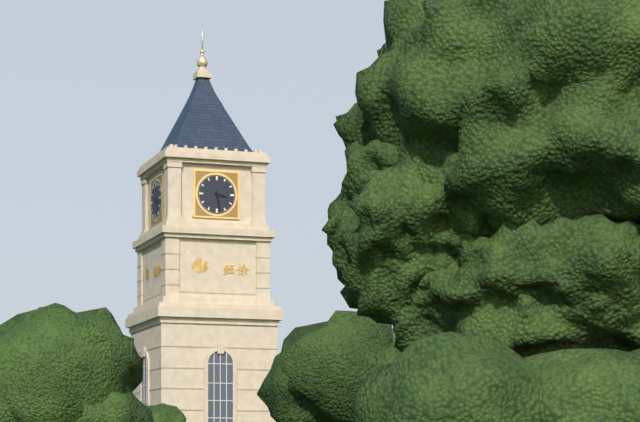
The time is {"hour": 3, "minute": 28}
